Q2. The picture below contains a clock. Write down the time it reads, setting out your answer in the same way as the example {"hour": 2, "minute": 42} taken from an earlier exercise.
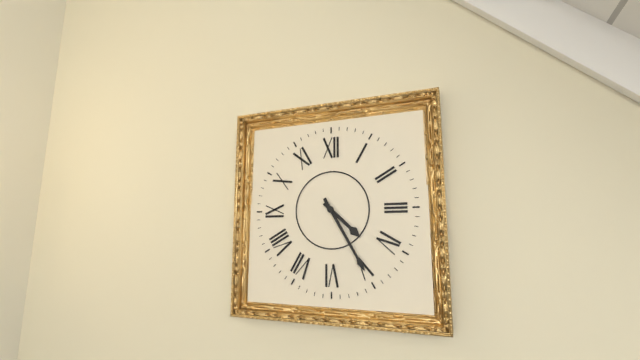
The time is {"hour": 4, "minute": 25}
